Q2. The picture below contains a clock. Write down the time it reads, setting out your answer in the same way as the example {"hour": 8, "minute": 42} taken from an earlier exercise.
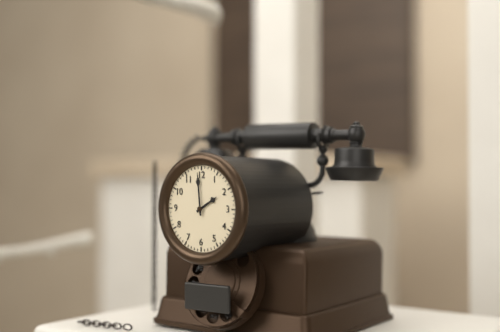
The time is {"hour": 1, "minute": 59}
